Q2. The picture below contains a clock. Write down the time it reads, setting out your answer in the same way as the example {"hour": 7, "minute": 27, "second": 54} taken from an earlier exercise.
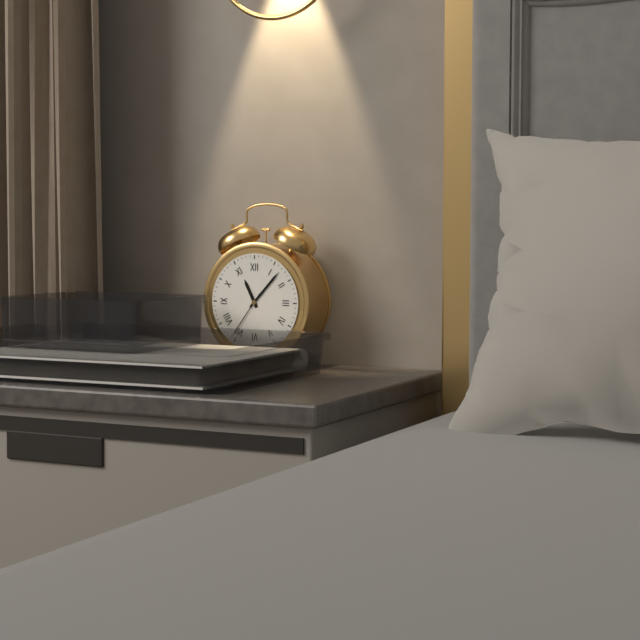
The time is {"hour": 11, "minute": 7, "second": 36}
